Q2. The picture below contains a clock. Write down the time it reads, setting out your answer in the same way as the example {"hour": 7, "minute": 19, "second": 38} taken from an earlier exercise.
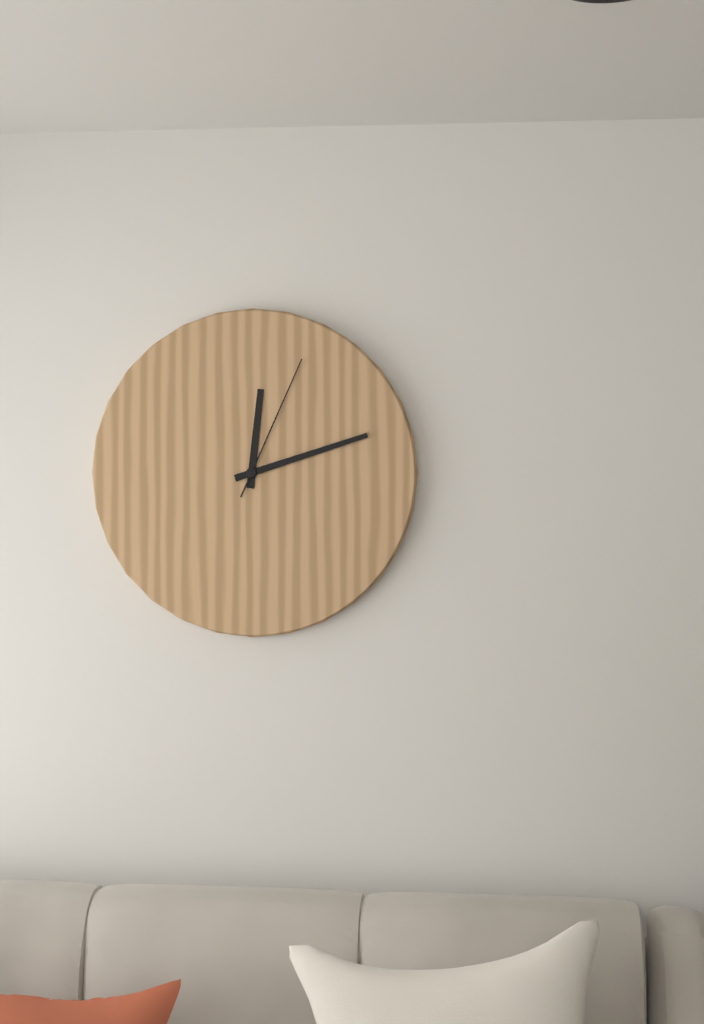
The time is {"hour": 12, "minute": 12, "second": 4}
